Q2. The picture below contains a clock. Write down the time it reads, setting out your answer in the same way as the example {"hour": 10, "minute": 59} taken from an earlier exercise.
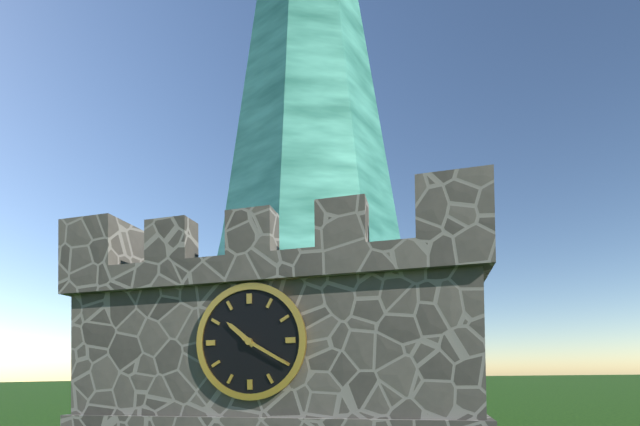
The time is {"hour": 10, "minute": 20}
